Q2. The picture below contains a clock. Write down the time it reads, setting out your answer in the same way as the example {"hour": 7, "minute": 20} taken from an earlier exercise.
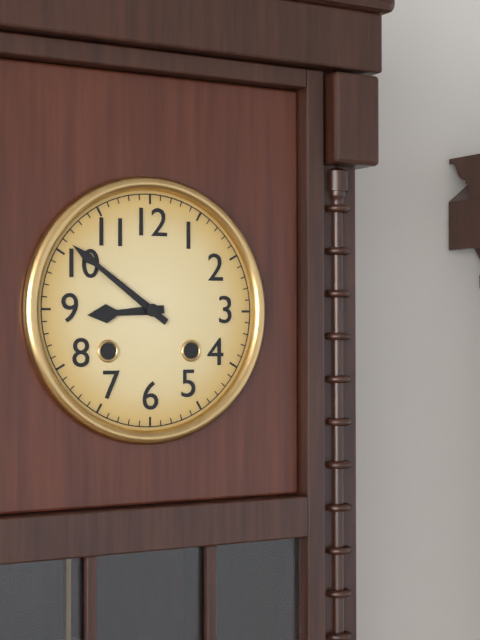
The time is {"hour": 8, "minute": 51}
